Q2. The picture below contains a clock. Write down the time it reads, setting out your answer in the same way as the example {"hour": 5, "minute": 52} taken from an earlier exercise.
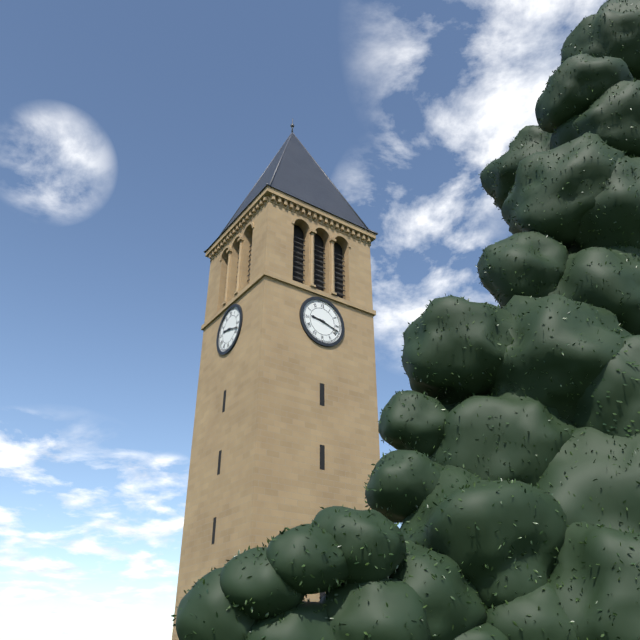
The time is {"hour": 9, "minute": 18}
